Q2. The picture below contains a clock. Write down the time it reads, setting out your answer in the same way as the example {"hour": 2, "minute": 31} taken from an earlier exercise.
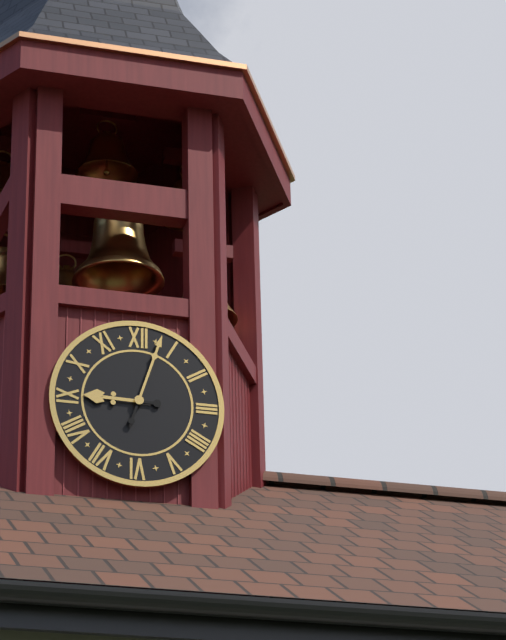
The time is {"hour": 9, "minute": 3}
